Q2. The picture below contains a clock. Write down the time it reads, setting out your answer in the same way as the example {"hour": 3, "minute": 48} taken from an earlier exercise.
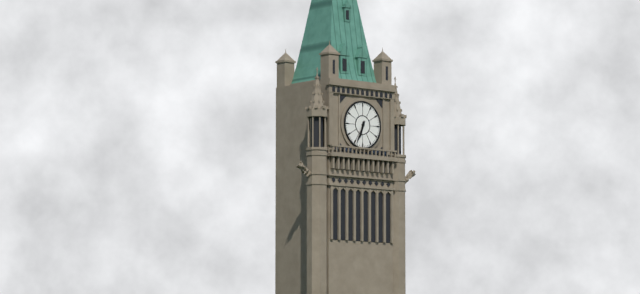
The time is {"hour": 6, "minute": 34}
